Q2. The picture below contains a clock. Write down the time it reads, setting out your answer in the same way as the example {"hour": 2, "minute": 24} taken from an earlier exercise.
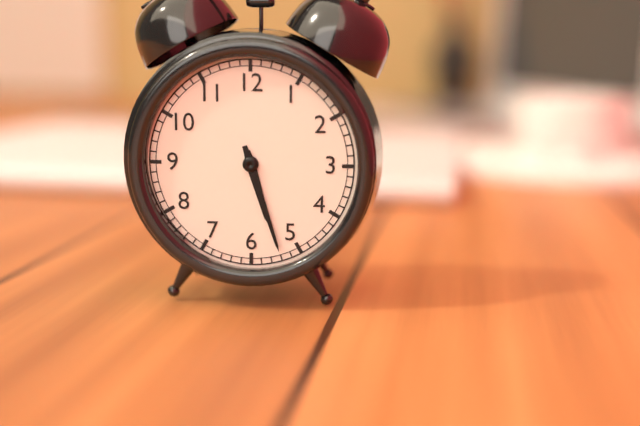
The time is {"hour": 5, "minute": 27}
